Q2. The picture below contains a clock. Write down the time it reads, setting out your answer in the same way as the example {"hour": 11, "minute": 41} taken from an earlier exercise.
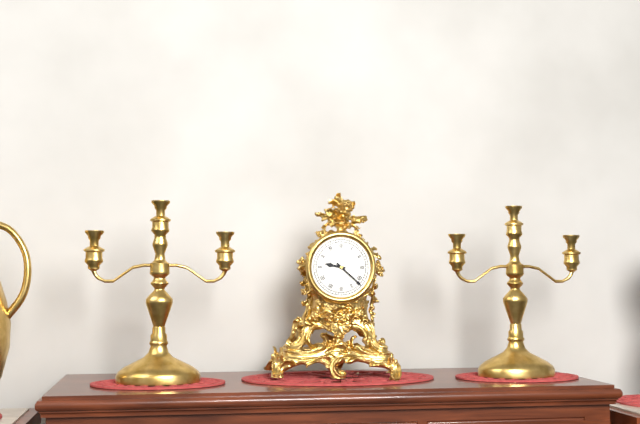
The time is {"hour": 9, "minute": 22}
